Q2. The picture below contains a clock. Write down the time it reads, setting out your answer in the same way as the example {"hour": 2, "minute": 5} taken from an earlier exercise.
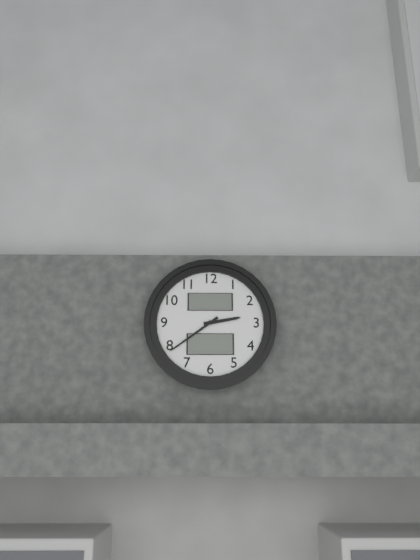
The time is {"hour": 2, "minute": 39}
